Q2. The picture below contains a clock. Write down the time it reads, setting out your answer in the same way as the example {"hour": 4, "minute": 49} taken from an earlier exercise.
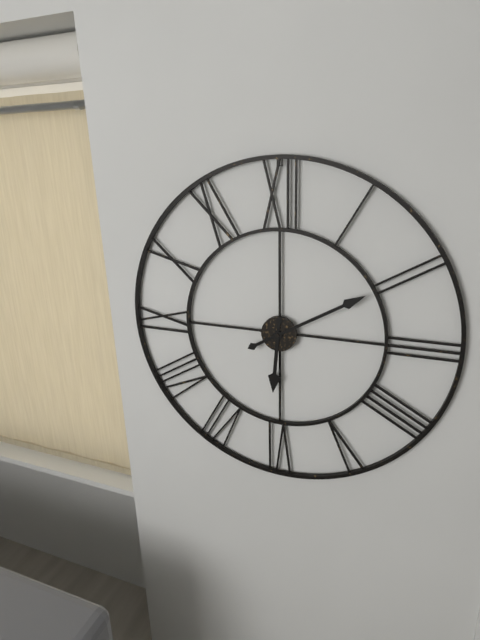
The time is {"hour": 6, "minute": 10}
